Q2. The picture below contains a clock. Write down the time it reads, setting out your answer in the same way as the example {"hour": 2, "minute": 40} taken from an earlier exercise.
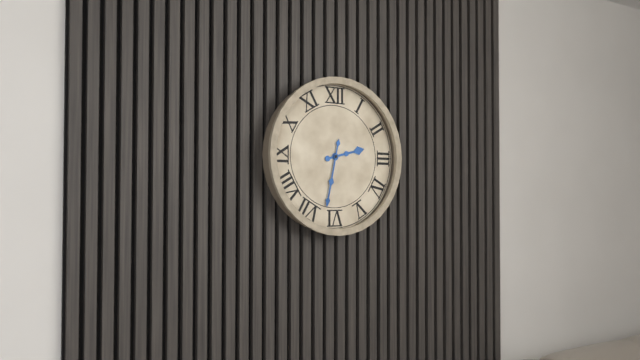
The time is {"hour": 2, "minute": 32}
